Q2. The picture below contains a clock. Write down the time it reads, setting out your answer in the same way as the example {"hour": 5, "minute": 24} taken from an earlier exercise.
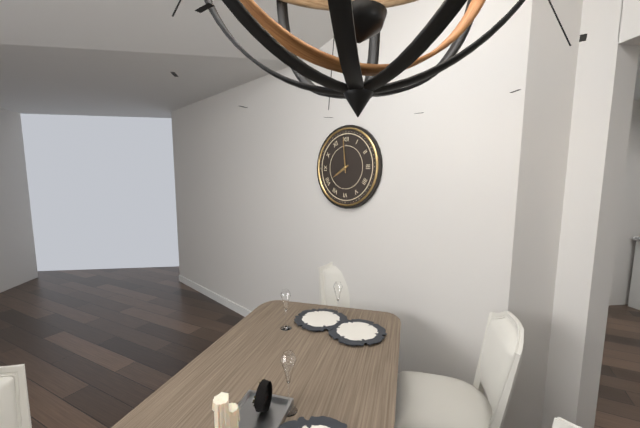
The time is {"hour": 7, "minute": 59}
